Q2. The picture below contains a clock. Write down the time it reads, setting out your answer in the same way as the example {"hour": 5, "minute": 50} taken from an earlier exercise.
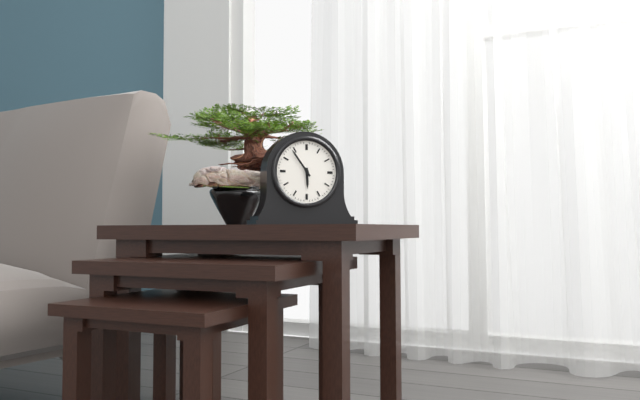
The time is {"hour": 5, "minute": 54}
